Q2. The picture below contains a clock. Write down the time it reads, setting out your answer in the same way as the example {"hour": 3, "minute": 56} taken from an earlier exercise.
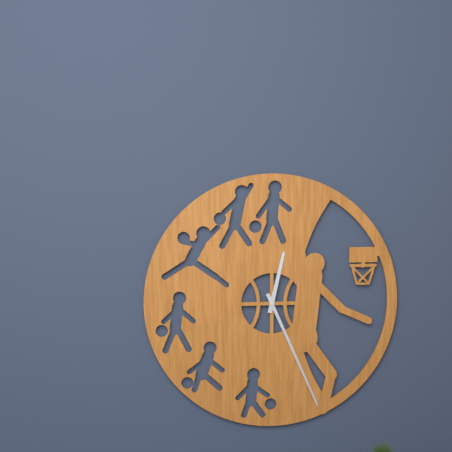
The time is {"hour": 12, "minute": 26}
